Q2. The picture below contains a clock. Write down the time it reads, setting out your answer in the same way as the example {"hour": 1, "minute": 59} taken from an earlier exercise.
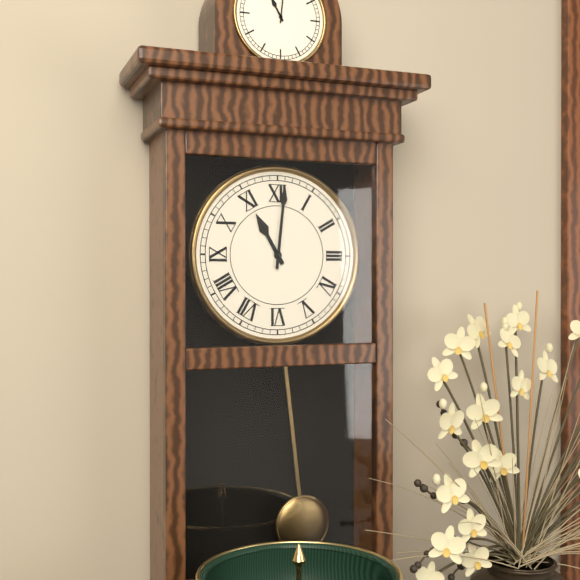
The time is {"hour": 11, "minute": 1}
